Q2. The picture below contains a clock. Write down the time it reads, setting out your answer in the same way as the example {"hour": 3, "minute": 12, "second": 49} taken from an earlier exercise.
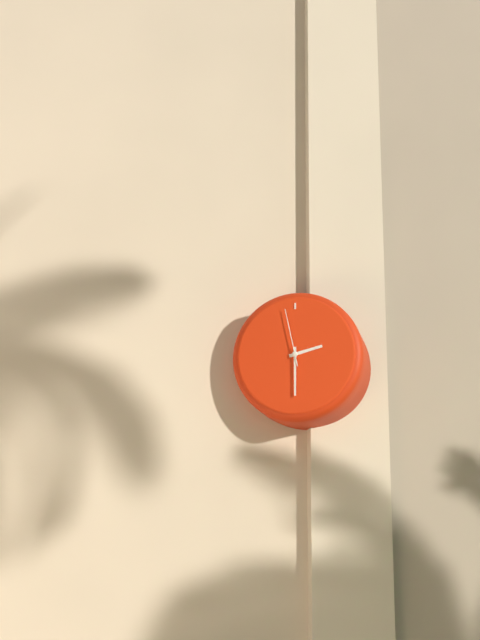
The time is {"hour": 2, "minute": 30, "second": 58}
